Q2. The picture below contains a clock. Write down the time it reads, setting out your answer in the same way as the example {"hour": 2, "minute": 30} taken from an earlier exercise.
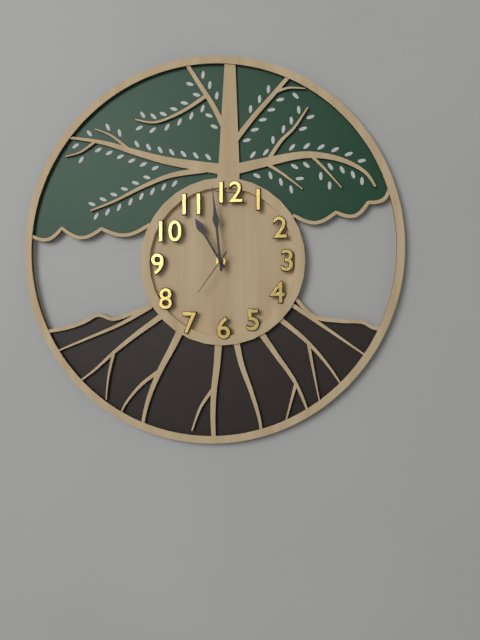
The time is {"hour": 10, "minute": 59}
